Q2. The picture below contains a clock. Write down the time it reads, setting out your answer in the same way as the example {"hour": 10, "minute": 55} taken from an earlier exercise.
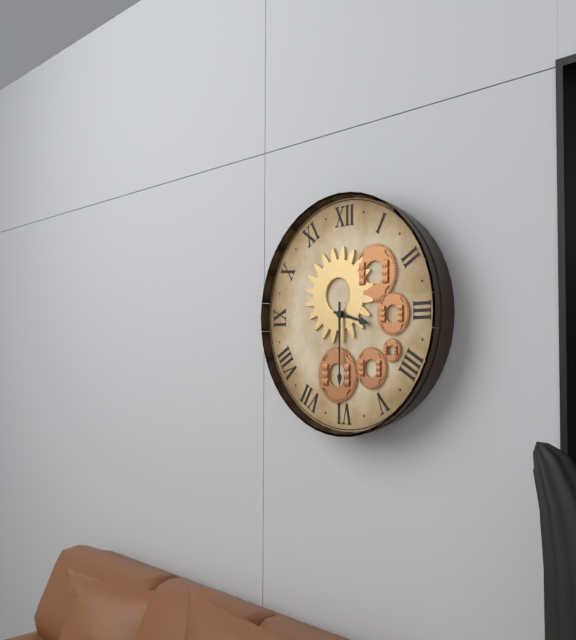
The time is {"hour": 3, "minute": 30}
